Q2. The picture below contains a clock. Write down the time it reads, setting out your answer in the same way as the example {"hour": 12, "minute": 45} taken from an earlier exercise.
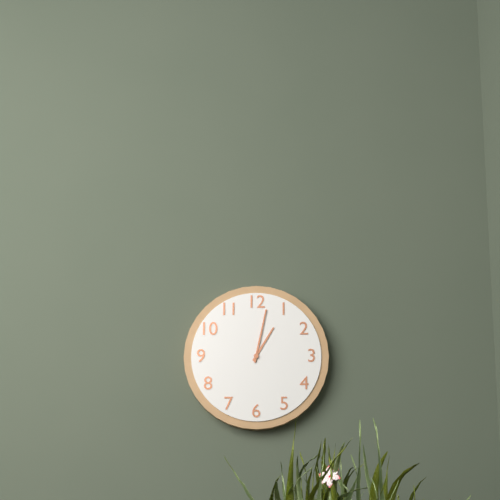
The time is {"hour": 1, "minute": 2}
